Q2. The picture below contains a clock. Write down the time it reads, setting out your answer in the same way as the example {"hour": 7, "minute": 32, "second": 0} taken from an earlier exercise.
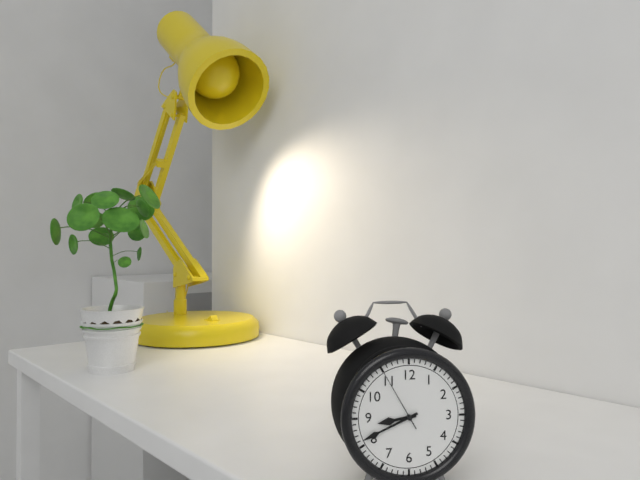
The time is {"hour": 8, "minute": 41, "second": 55}
